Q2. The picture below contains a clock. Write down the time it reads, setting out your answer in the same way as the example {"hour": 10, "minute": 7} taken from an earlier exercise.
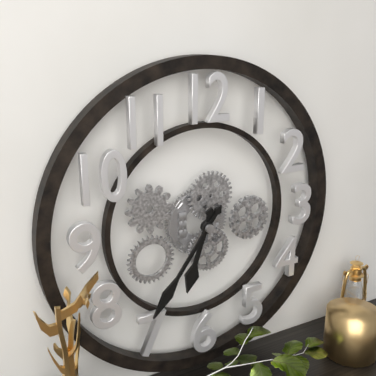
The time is {"hour": 6, "minute": 36}
